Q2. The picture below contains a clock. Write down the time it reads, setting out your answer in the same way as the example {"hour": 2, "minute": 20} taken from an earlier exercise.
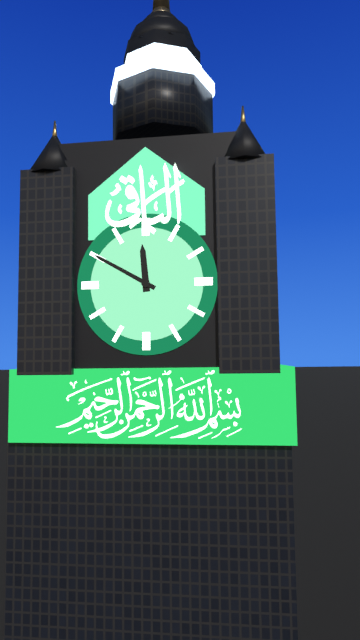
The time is {"hour": 11, "minute": 50}
